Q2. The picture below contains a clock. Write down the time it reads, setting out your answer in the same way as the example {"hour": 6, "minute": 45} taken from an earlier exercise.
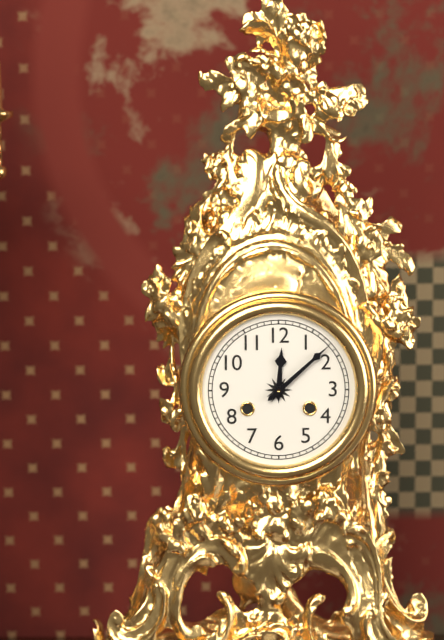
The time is {"hour": 12, "minute": 8}
